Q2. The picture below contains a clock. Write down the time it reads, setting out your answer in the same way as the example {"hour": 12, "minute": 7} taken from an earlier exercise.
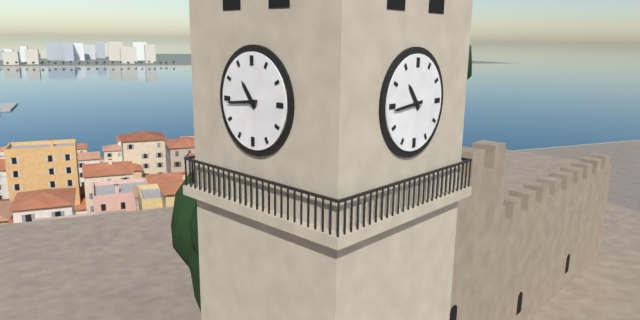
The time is {"hour": 10, "minute": 44}
